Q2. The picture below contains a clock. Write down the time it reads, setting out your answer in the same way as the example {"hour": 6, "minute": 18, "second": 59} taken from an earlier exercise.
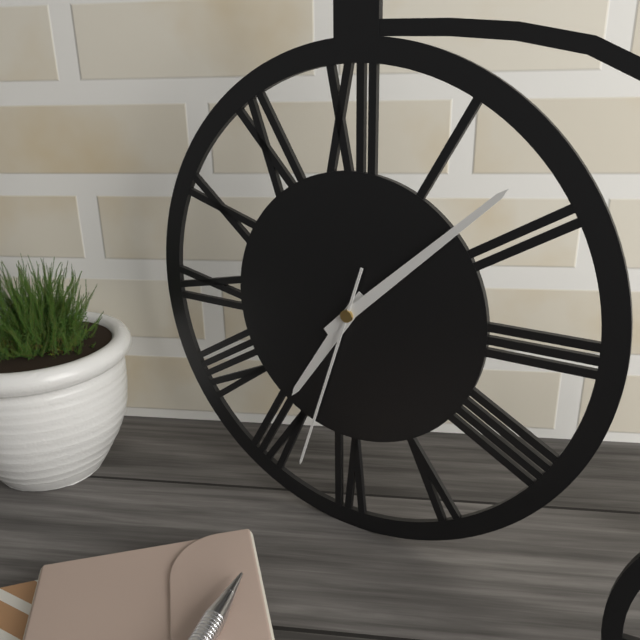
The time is {"hour": 7, "minute": 8, "second": 33}
